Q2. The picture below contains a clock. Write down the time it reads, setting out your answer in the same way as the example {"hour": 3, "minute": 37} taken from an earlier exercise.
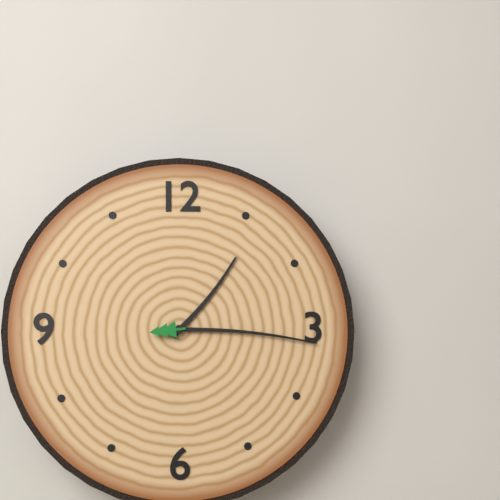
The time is {"hour": 1, "minute": 16}
